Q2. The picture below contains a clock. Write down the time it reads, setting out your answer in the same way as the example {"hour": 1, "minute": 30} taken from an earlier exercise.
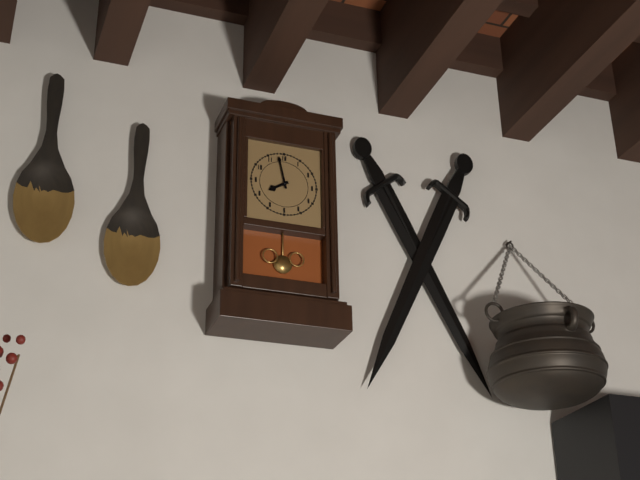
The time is {"hour": 7, "minute": 58}
